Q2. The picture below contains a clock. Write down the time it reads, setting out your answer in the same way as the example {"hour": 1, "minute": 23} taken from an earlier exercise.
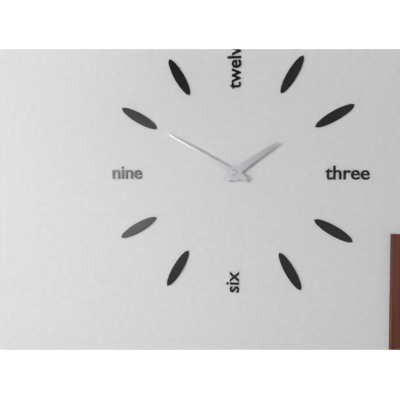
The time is {"hour": 1, "minute": 50}
